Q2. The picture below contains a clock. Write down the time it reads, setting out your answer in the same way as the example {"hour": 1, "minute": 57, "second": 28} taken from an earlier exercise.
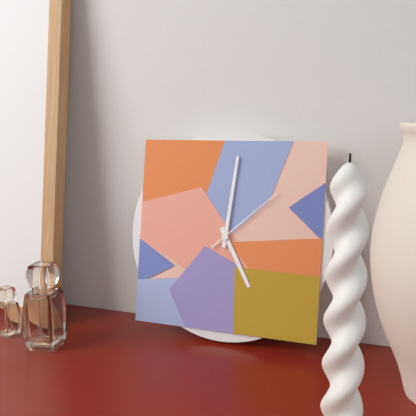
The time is {"hour": 5, "minute": 1, "second": 8}
